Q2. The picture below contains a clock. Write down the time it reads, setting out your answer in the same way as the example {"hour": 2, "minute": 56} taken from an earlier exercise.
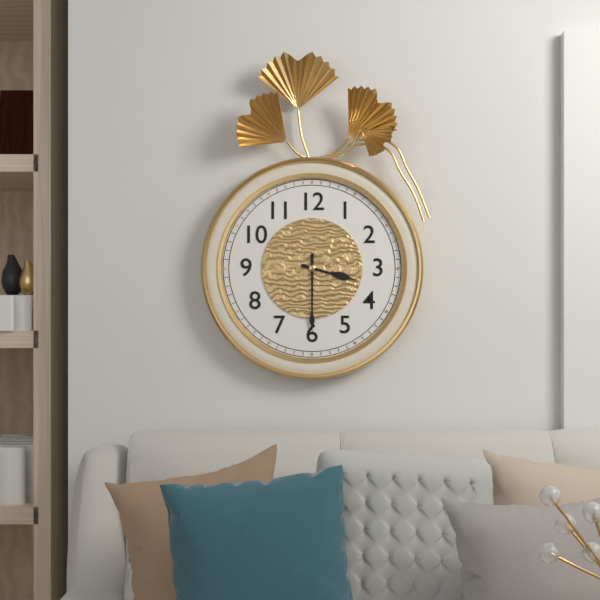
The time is {"hour": 3, "minute": 30}
